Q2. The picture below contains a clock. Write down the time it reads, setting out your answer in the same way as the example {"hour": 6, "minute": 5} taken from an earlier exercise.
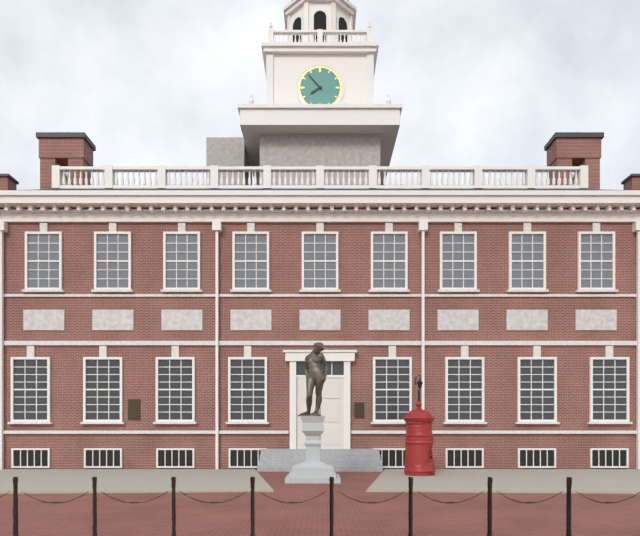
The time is {"hour": 7, "minute": 53}
